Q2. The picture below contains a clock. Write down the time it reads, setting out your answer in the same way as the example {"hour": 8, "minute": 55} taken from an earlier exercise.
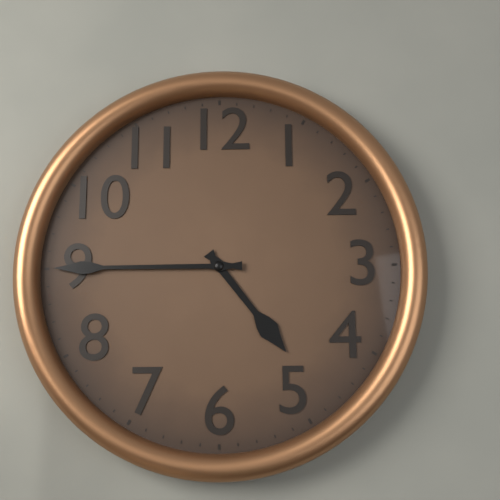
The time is {"hour": 4, "minute": 45}
